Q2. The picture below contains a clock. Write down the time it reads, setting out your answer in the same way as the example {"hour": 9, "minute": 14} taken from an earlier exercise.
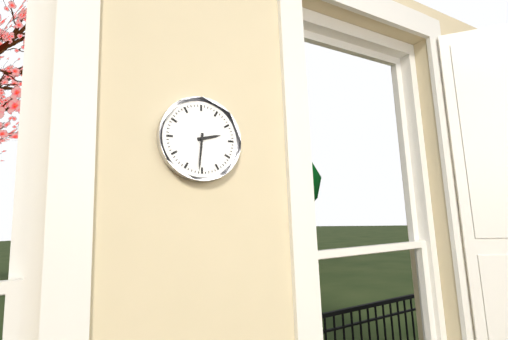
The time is {"hour": 2, "minute": 31}
